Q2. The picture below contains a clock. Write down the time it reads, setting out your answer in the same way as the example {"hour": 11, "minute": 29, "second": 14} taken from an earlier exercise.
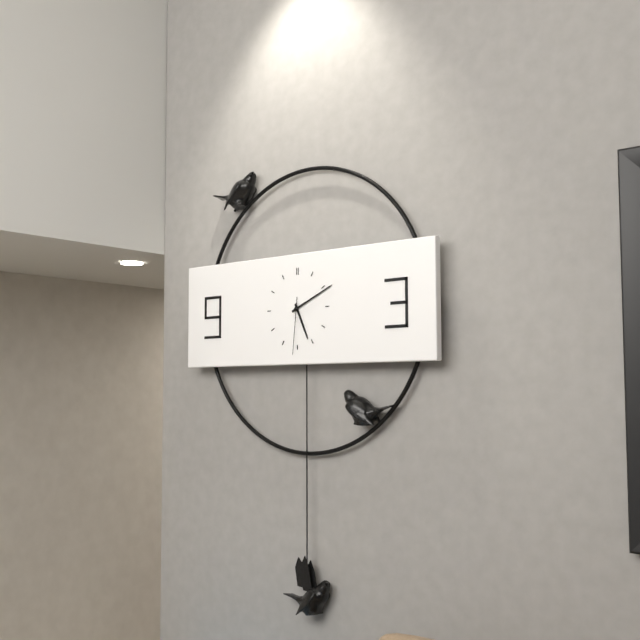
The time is {"hour": 5, "minute": 11, "second": 31}
